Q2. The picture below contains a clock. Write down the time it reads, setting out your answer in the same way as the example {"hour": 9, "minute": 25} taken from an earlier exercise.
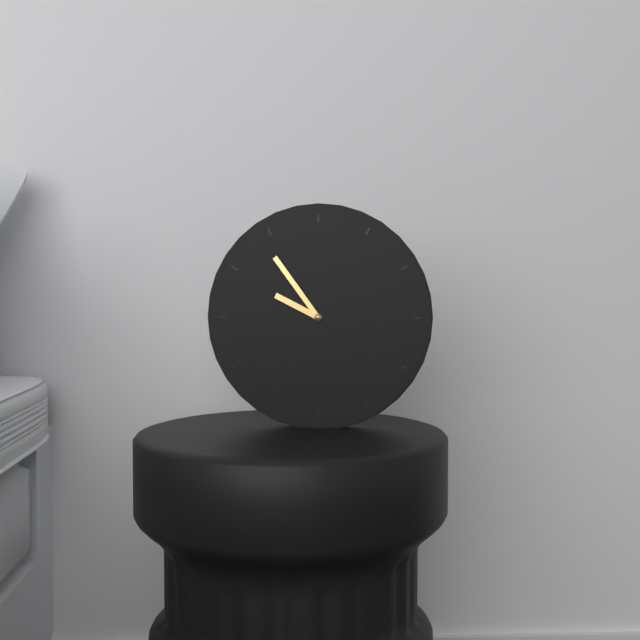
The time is {"hour": 9, "minute": 54}
